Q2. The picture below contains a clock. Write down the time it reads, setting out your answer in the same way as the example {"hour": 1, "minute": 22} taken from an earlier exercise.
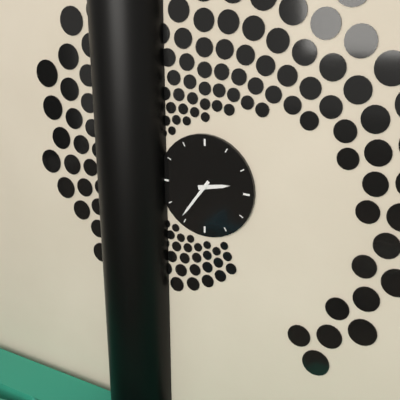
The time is {"hour": 2, "minute": 36}
